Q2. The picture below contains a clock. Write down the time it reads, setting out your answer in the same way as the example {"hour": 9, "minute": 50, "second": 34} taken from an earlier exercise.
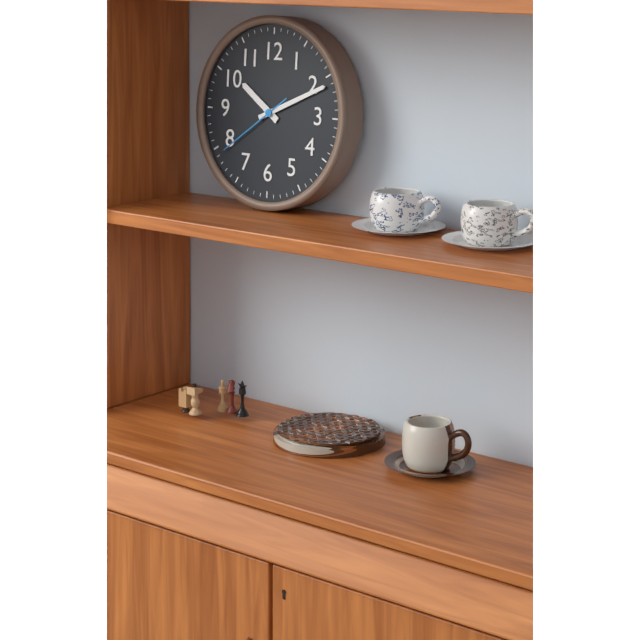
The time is {"hour": 10, "minute": 11, "second": 39}
